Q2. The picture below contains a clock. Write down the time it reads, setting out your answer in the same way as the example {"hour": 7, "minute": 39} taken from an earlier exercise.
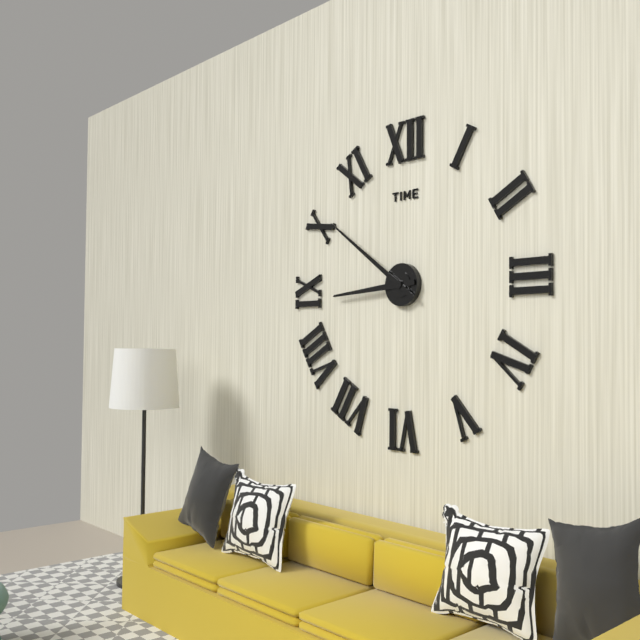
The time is {"hour": 8, "minute": 51}
